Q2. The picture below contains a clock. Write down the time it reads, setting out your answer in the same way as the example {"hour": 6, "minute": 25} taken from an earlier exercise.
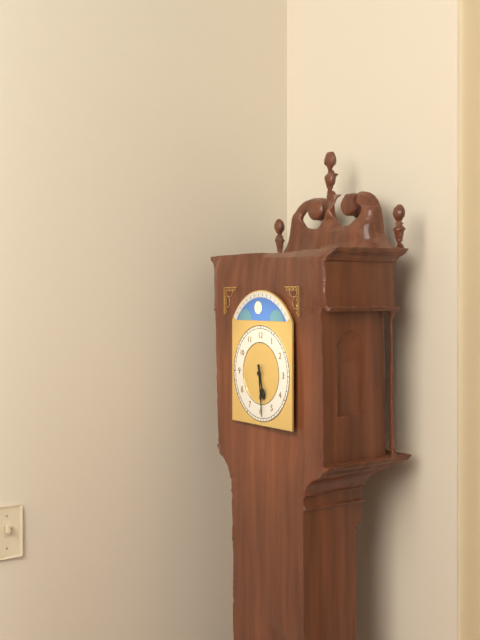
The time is {"hour": 5, "minute": 29}
